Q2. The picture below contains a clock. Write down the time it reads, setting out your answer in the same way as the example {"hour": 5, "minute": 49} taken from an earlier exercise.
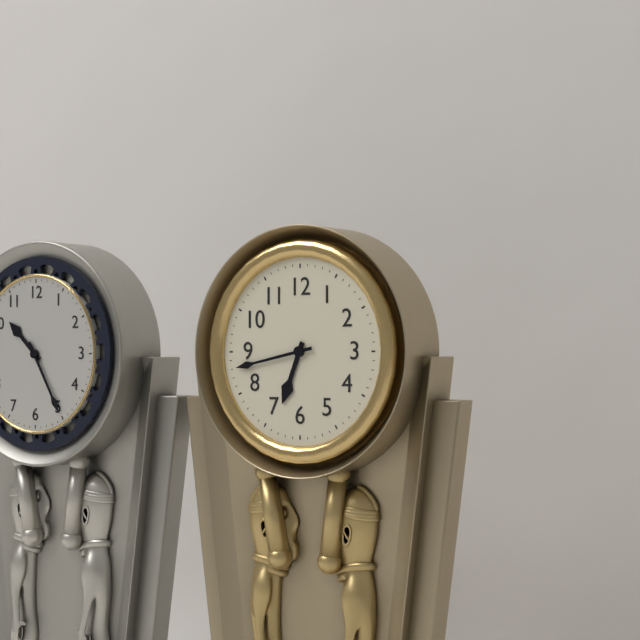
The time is {"hour": 6, "minute": 43}
